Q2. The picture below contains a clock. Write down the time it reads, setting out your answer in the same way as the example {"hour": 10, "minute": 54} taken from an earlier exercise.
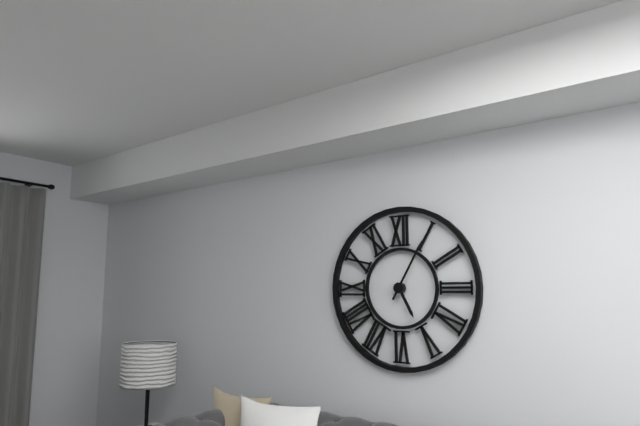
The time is {"hour": 5, "minute": 5}
